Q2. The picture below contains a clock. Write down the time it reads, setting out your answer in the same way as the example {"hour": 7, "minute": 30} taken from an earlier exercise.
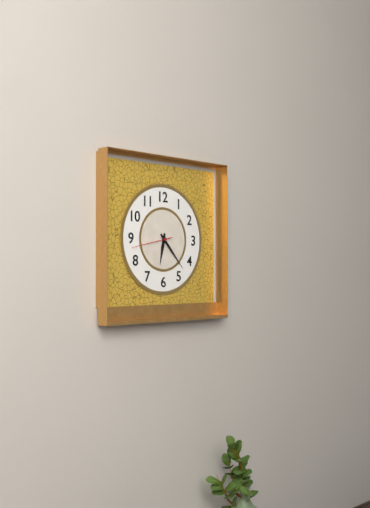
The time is {"hour": 6, "minute": 23}
